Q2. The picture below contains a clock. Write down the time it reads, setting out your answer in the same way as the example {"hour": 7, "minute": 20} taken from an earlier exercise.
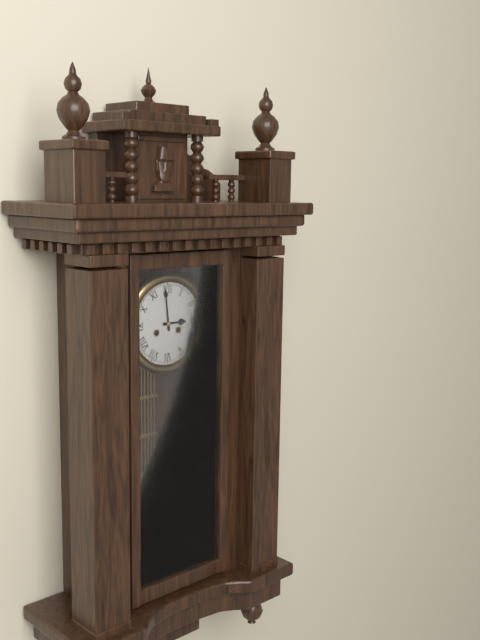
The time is {"hour": 2, "minute": 59}
